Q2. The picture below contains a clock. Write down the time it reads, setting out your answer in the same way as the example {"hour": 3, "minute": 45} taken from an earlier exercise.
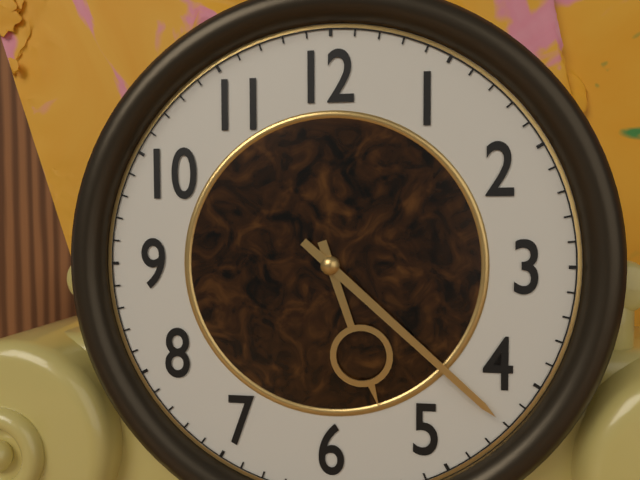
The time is {"hour": 5, "minute": 22}
